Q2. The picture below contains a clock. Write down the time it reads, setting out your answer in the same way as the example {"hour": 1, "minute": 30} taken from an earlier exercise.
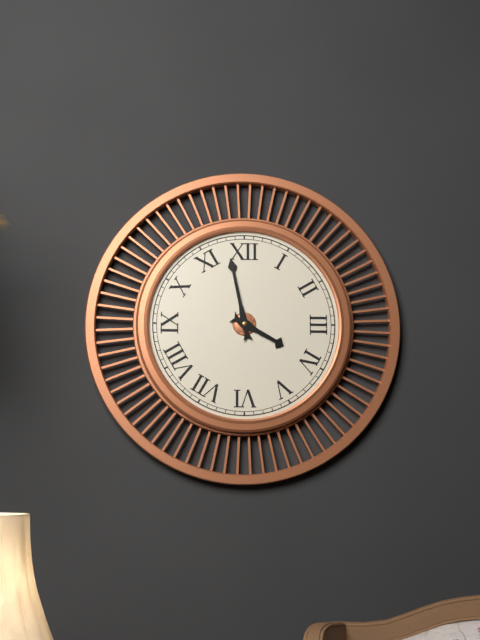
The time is {"hour": 3, "minute": 58}
